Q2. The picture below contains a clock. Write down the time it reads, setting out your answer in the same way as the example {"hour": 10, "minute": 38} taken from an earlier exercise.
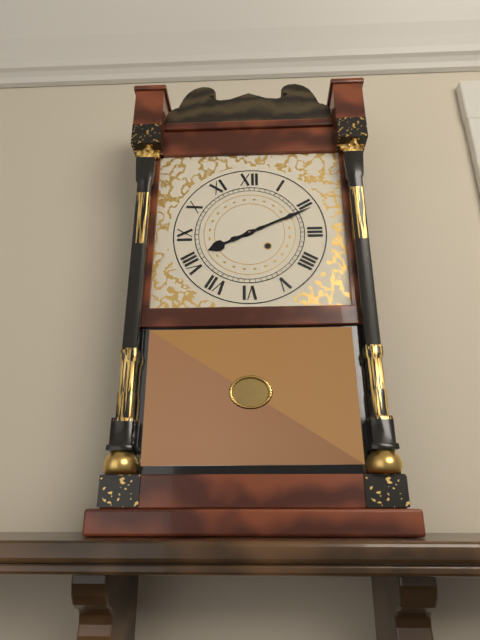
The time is {"hour": 8, "minute": 11}
